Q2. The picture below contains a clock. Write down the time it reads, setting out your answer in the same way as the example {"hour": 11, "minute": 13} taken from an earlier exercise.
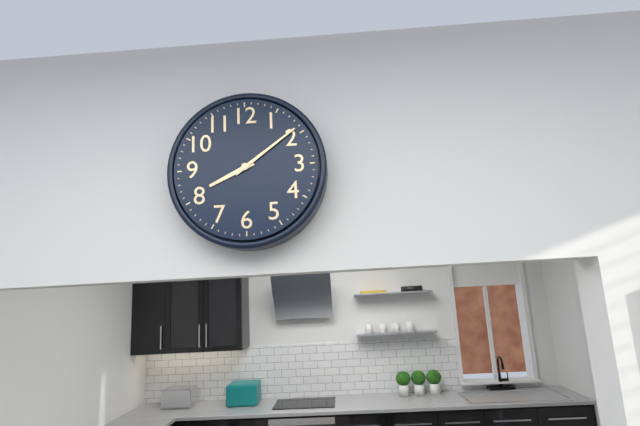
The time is {"hour": 8, "minute": 9}
